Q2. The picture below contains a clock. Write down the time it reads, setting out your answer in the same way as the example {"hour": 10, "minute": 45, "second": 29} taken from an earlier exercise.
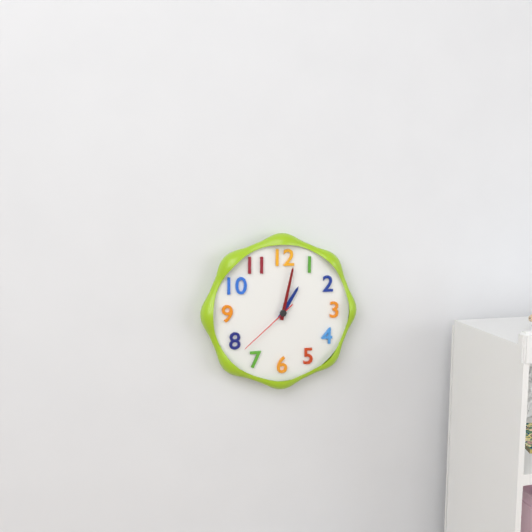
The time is {"hour": 1, "minute": 2, "second": 38}
